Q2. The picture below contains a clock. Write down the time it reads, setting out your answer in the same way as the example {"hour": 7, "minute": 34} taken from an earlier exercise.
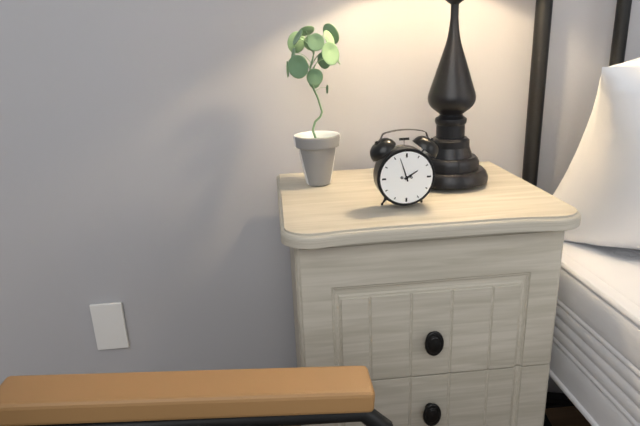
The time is {"hour": 1, "minute": 57}
